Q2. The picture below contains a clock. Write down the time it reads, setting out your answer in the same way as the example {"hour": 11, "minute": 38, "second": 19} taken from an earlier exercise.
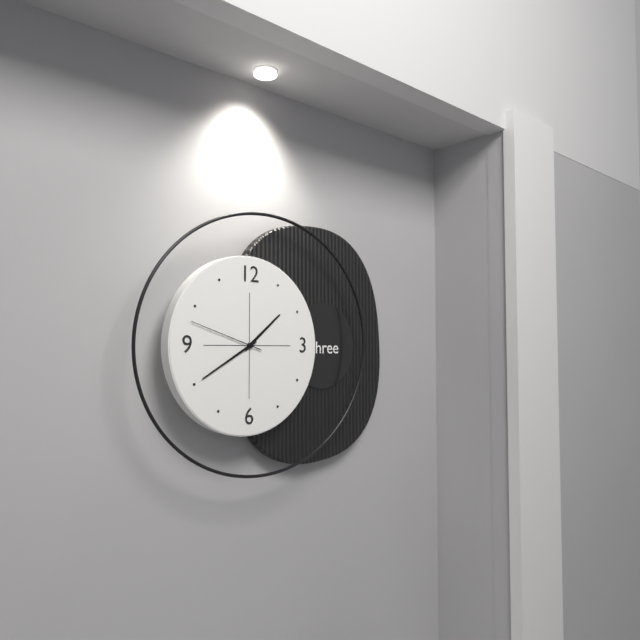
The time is {"hour": 1, "minute": 40, "second": 48}
